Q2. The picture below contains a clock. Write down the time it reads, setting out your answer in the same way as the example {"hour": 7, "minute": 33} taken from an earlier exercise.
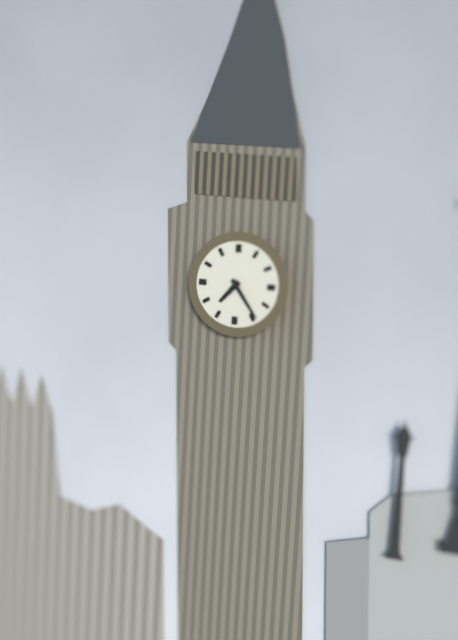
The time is {"hour": 7, "minute": 24}
